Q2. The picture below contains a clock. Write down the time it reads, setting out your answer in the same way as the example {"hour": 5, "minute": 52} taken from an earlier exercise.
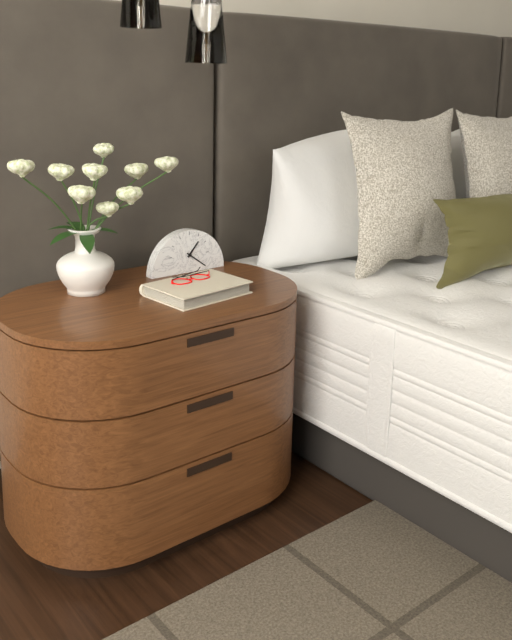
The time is {"hour": 1, "minute": 21}
